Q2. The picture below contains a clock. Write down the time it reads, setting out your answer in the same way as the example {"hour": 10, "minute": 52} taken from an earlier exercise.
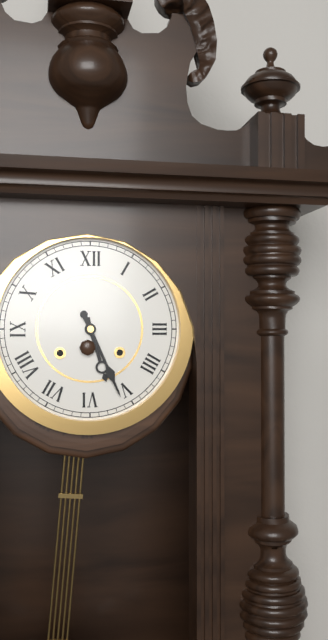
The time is {"hour": 5, "minute": 26}
